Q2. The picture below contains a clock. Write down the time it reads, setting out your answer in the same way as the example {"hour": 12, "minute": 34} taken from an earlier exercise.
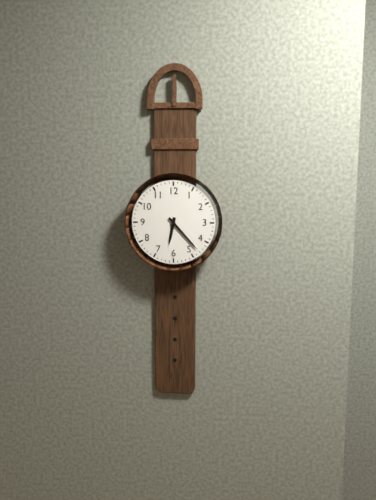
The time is {"hour": 6, "minute": 23}
